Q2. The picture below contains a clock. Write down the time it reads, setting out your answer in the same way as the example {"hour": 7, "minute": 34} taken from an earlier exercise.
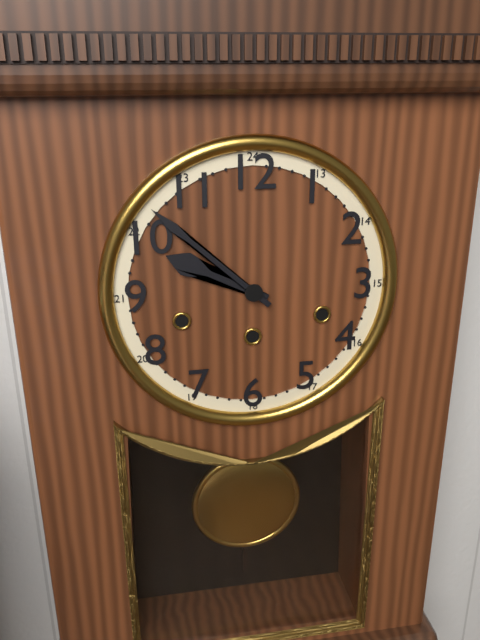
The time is {"hour": 9, "minute": 52}
